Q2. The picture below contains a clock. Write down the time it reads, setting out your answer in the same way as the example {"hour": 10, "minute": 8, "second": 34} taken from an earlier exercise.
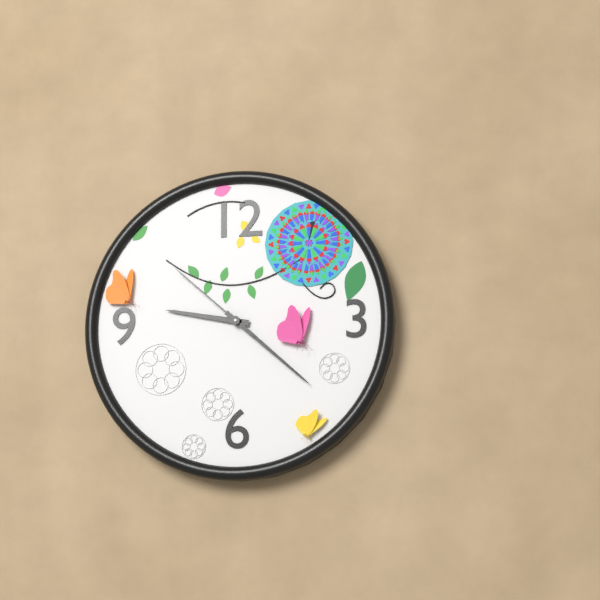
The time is {"hour": 9, "minute": 22, "second": 52}
